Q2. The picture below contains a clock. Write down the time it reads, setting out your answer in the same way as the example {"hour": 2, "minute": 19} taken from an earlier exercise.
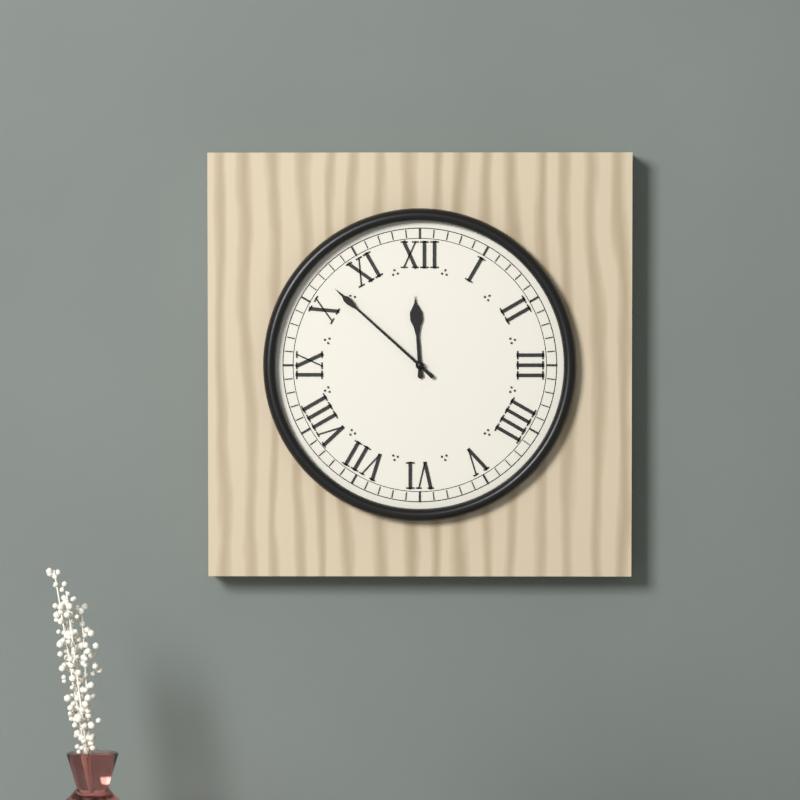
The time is {"hour": 11, "minute": 52}
